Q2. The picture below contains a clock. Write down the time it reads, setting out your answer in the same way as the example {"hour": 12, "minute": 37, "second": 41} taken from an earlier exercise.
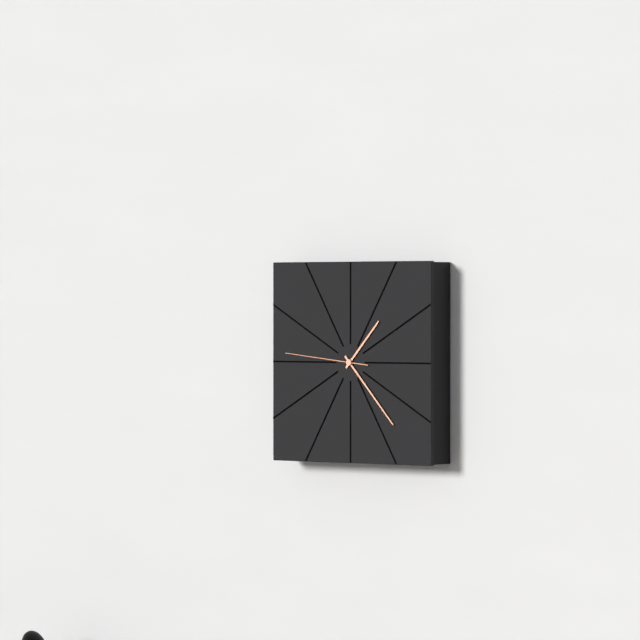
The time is {"hour": 1, "minute": 23, "second": 46}
